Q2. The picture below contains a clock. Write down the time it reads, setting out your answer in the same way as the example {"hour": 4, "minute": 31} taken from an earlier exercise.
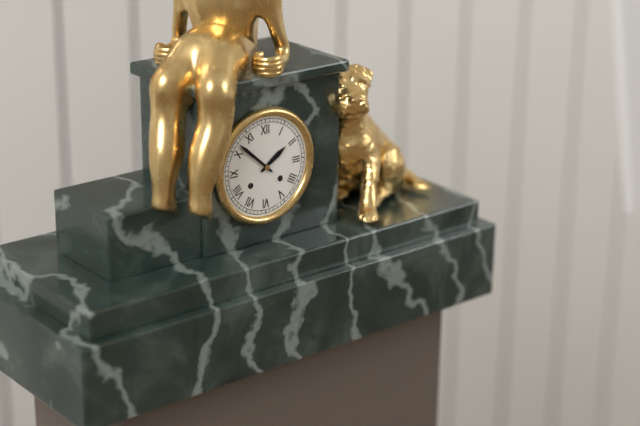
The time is {"hour": 1, "minute": 52}
